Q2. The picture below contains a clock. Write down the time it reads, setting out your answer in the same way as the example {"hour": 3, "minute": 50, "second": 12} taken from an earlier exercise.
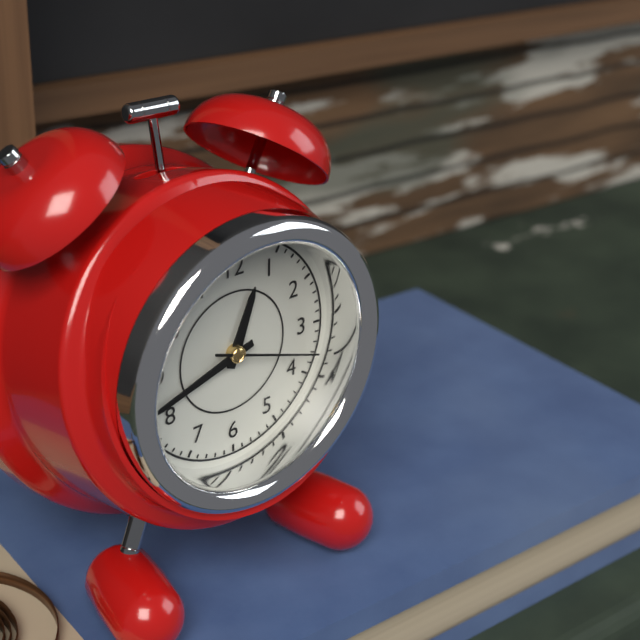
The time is {"hour": 12, "minute": 42, "second": 18}
